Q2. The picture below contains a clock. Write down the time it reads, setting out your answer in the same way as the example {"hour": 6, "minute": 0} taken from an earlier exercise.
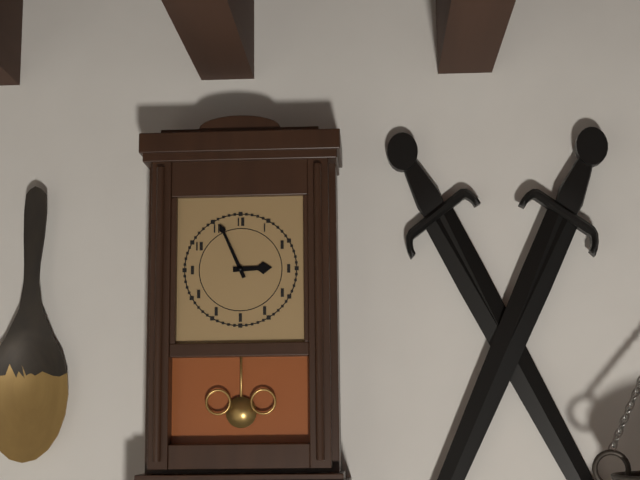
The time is {"hour": 2, "minute": 56}
